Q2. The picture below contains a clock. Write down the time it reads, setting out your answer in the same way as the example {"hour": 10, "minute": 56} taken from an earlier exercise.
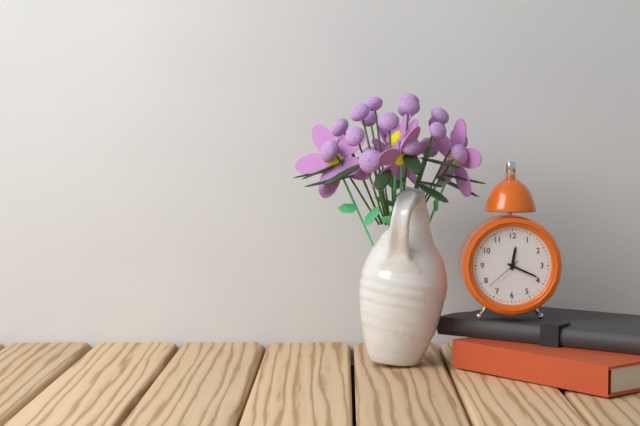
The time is {"hour": 12, "minute": 19}
